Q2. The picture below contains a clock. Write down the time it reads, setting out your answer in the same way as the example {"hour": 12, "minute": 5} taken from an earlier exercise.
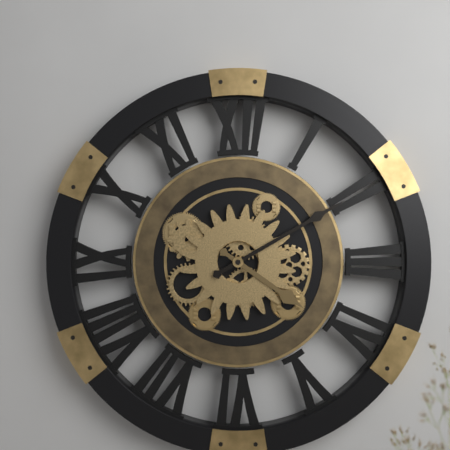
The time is {"hour": 4, "minute": 10}
